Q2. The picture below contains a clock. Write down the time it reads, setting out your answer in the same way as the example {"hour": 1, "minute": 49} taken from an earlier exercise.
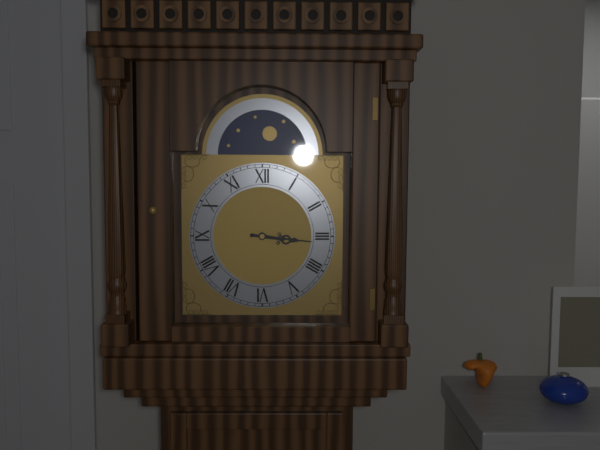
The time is {"hour": 3, "minute": 16}
